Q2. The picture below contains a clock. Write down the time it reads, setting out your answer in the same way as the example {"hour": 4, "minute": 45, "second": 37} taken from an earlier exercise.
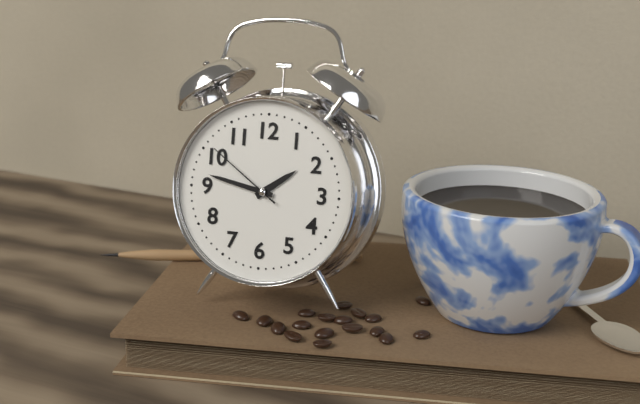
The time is {"hour": 1, "minute": 47, "second": 51}
